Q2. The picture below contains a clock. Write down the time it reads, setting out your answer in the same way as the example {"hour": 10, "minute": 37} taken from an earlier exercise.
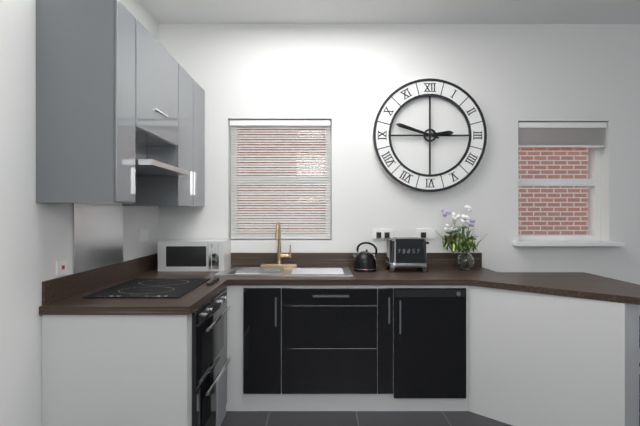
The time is {"hour": 2, "minute": 48}
